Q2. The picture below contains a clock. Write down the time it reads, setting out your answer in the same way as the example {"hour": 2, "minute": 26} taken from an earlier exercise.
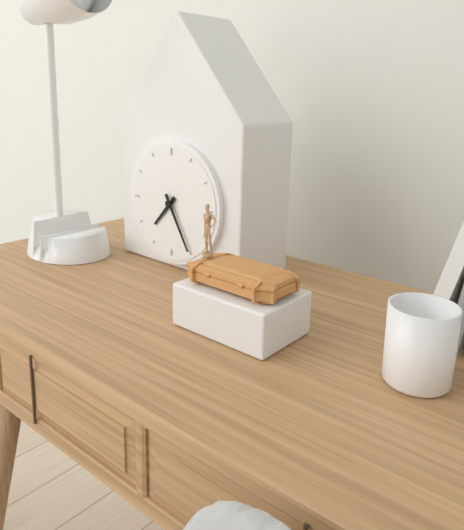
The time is {"hour": 7, "minute": 25}
